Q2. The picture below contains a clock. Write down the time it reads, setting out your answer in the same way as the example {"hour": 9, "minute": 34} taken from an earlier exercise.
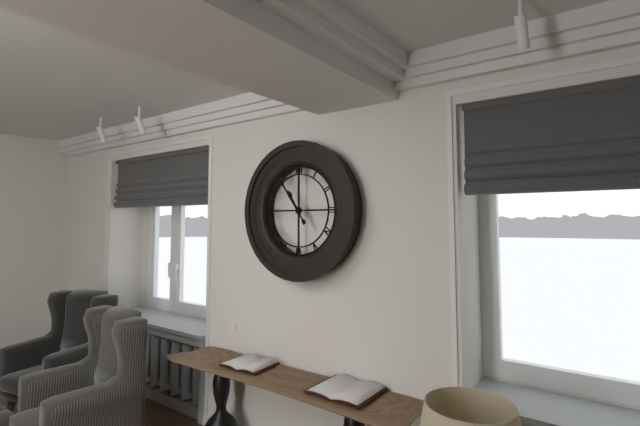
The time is {"hour": 10, "minute": 54}
